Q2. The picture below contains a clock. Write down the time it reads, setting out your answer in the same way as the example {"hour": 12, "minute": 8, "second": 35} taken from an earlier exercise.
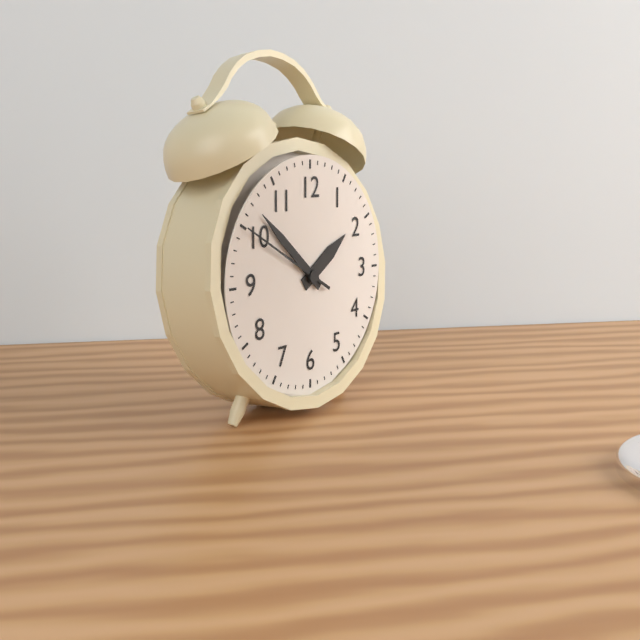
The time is {"hour": 1, "minute": 52, "second": 50}
